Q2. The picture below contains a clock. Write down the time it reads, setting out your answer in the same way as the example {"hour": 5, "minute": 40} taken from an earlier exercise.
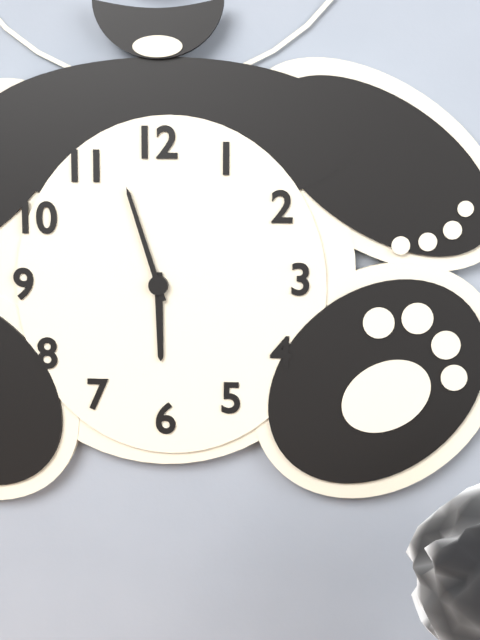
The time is {"hour": 5, "minute": 57}
